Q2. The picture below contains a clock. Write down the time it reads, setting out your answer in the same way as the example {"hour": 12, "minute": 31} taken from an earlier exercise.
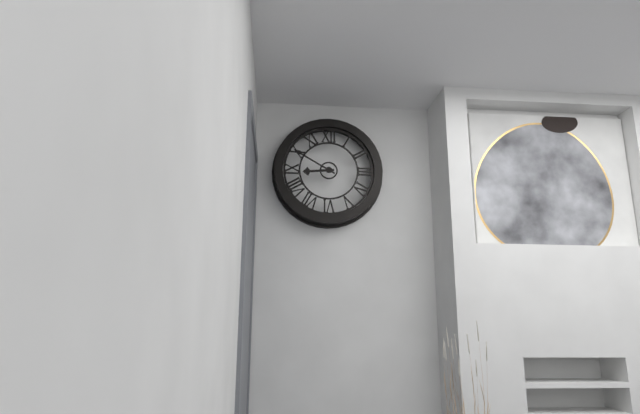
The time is {"hour": 8, "minute": 50}
